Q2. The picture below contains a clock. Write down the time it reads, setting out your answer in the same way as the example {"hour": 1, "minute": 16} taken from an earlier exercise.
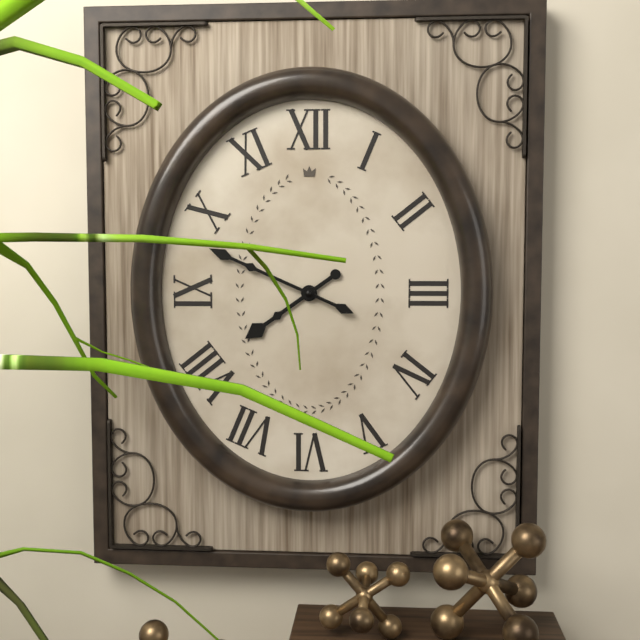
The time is {"hour": 7, "minute": 49}
